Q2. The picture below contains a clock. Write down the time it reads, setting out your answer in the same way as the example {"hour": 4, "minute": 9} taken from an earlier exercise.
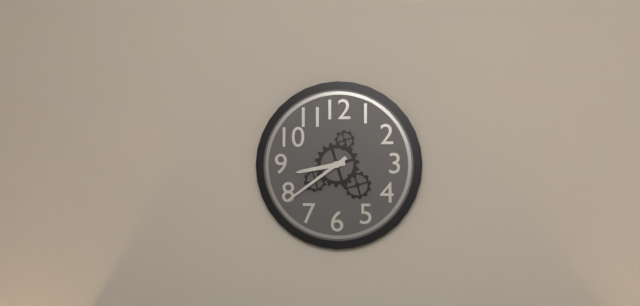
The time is {"hour": 8, "minute": 39}
